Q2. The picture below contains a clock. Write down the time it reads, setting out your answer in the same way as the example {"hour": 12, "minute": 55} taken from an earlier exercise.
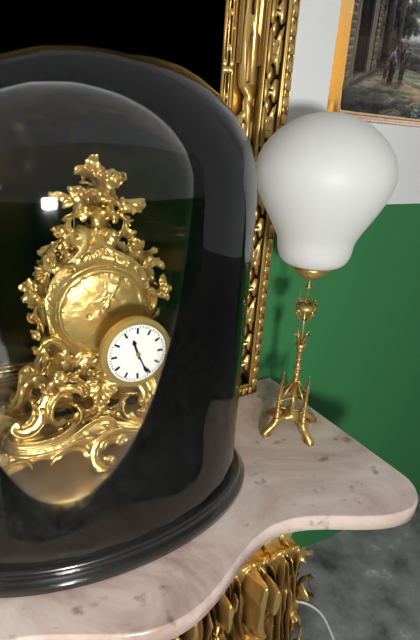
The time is {"hour": 11, "minute": 26}
